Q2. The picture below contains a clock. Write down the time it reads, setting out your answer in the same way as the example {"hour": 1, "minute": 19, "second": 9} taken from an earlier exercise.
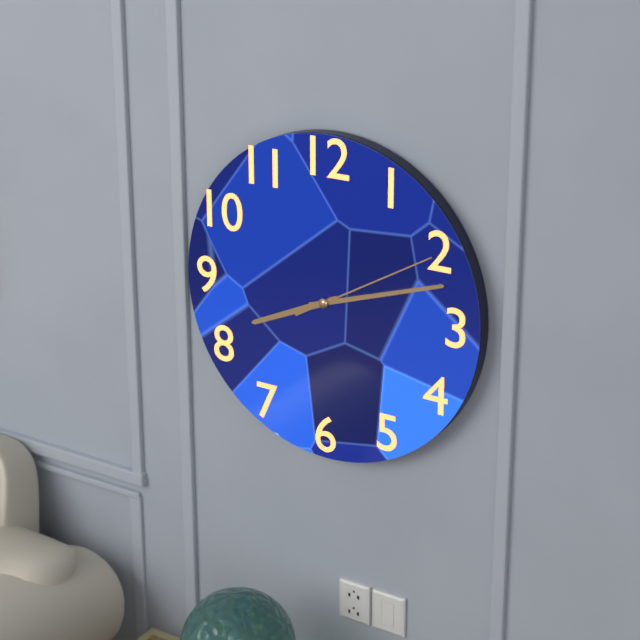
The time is {"hour": 8, "minute": 12, "second": 10}
